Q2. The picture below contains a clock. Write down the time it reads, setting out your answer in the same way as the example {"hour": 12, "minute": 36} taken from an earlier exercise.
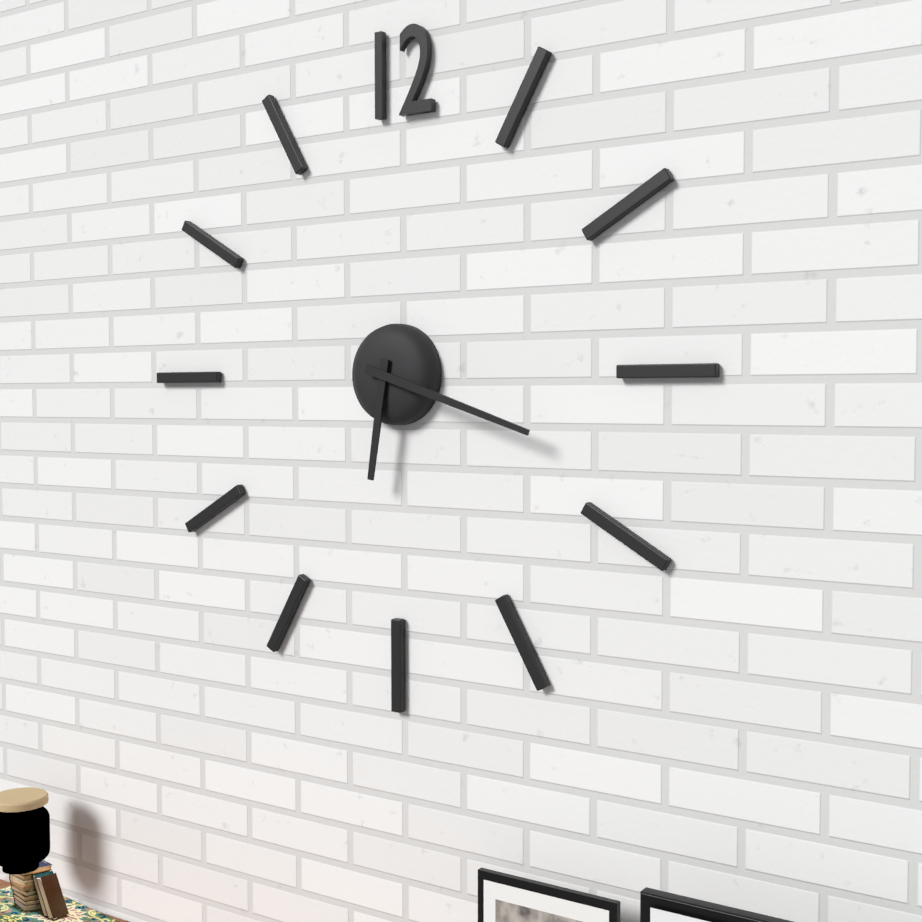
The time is {"hour": 6, "minute": 18}
